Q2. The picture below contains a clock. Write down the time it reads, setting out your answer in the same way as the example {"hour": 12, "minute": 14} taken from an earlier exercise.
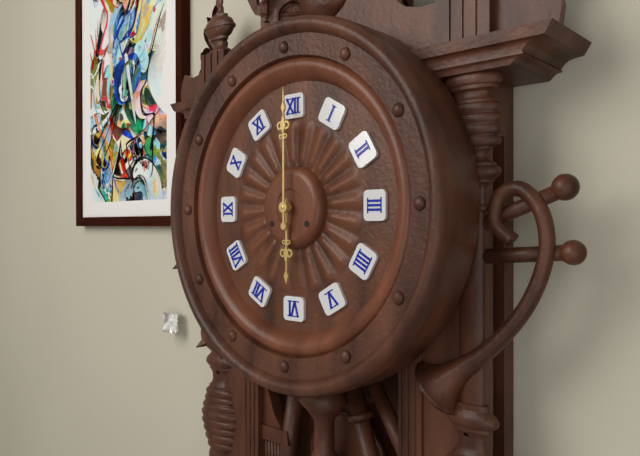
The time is {"hour": 6, "minute": 0}
